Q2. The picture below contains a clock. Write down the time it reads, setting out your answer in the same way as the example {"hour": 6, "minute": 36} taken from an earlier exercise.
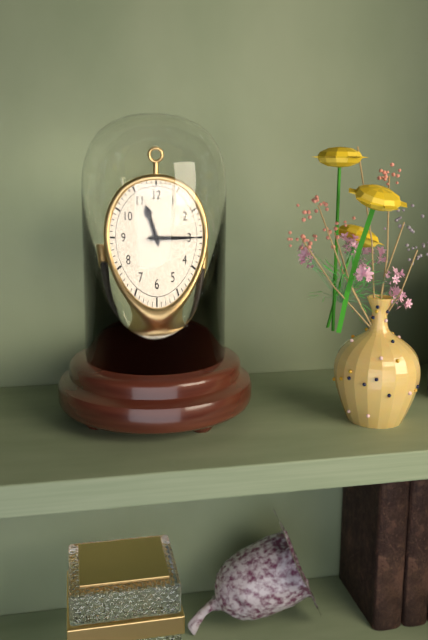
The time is {"hour": 11, "minute": 15}
